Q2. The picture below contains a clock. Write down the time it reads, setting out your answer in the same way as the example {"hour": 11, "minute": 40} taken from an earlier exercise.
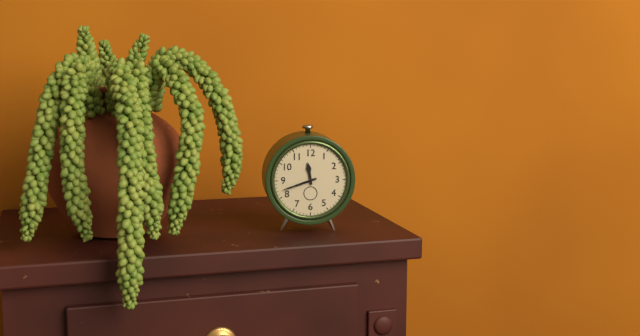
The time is {"hour": 11, "minute": 42}
